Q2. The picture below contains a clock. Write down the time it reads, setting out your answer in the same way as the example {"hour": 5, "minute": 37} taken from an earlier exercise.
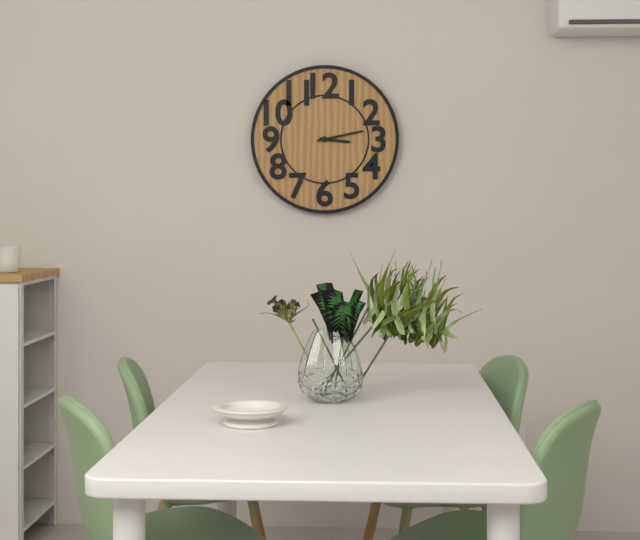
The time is {"hour": 3, "minute": 13}
